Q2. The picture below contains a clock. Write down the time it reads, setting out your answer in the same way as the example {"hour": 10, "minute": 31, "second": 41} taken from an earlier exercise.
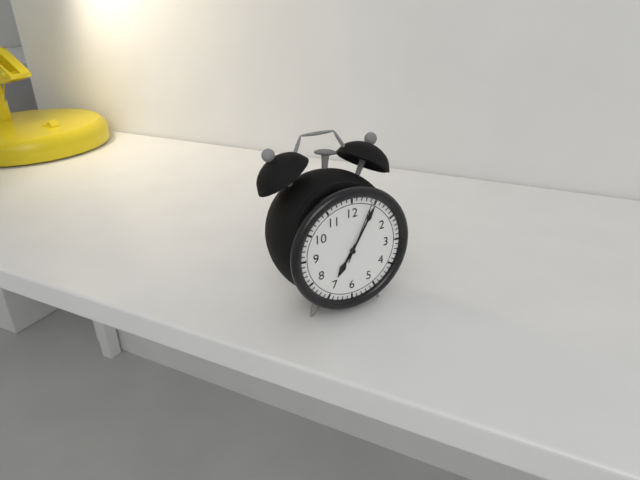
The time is {"hour": 7, "minute": 5, "second": 4}
